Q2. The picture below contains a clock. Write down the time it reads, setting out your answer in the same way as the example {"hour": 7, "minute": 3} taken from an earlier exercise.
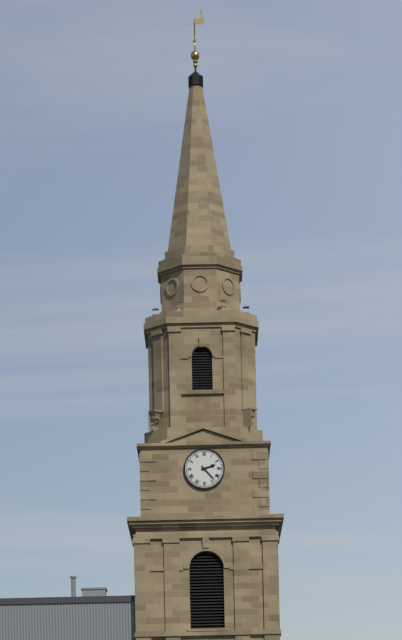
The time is {"hour": 2, "minute": 23}
